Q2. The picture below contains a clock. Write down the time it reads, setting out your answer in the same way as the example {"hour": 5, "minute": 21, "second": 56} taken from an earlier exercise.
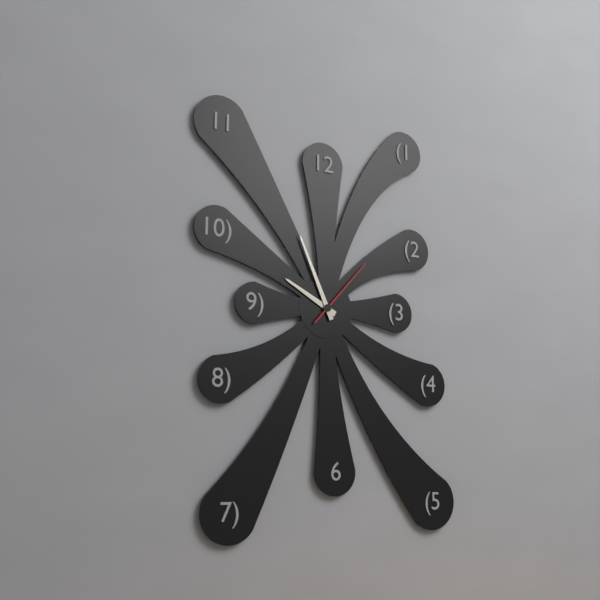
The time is {"hour": 9, "minute": 56, "second": 7}
